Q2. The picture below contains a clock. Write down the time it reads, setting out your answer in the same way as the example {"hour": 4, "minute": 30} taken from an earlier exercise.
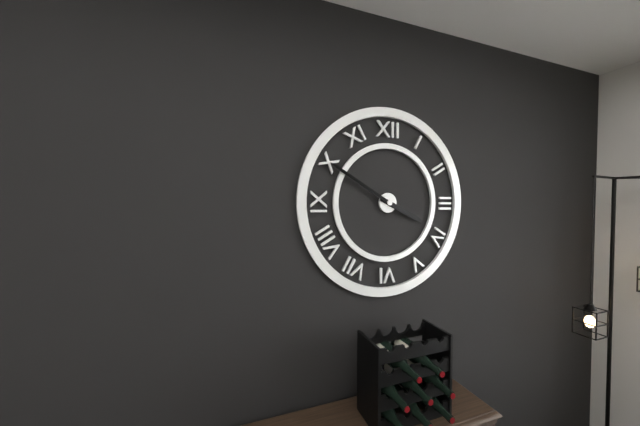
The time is {"hour": 3, "minute": 50}
